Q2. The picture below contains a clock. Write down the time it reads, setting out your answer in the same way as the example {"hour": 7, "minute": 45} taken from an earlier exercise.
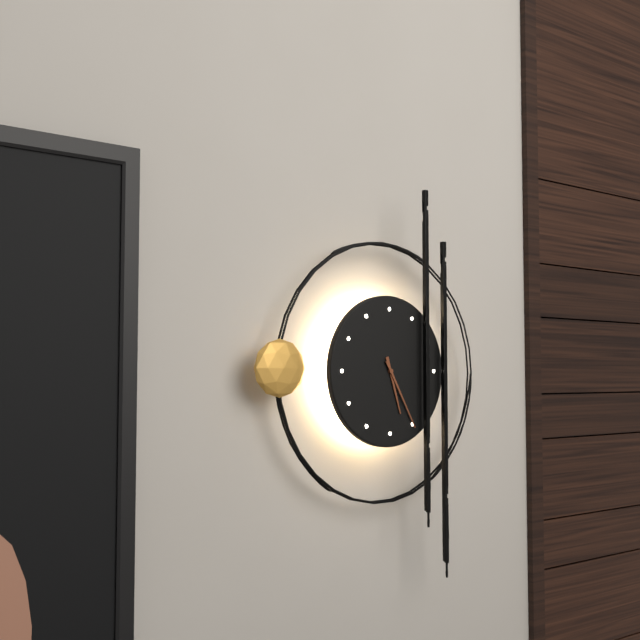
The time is {"hour": 5, "minute": 25}
